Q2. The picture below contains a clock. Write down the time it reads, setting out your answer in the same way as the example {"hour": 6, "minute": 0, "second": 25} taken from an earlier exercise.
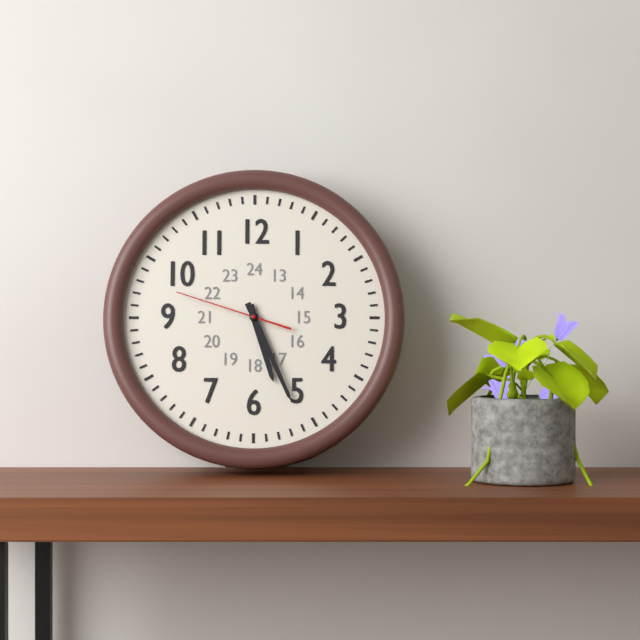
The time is {"hour": 5, "minute": 26, "second": 48}
